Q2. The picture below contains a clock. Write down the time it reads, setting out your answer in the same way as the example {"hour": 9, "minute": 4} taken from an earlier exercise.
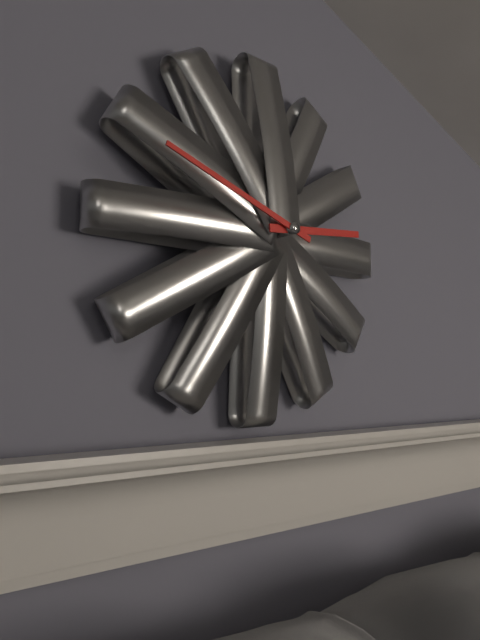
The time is {"hour": 2, "minute": 48}
